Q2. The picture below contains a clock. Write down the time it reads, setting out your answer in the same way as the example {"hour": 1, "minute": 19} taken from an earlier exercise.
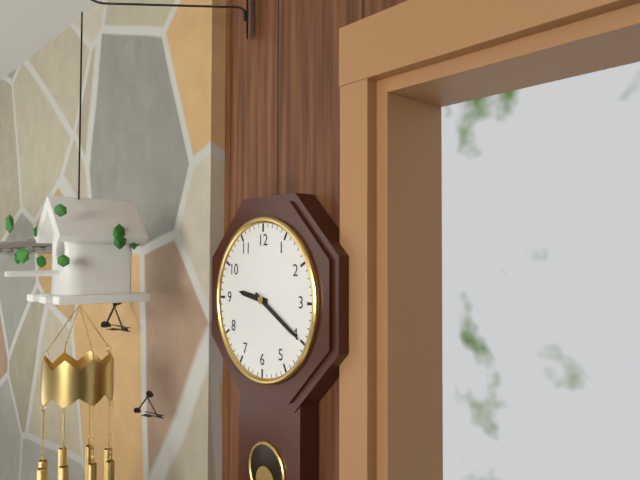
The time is {"hour": 9, "minute": 20}
